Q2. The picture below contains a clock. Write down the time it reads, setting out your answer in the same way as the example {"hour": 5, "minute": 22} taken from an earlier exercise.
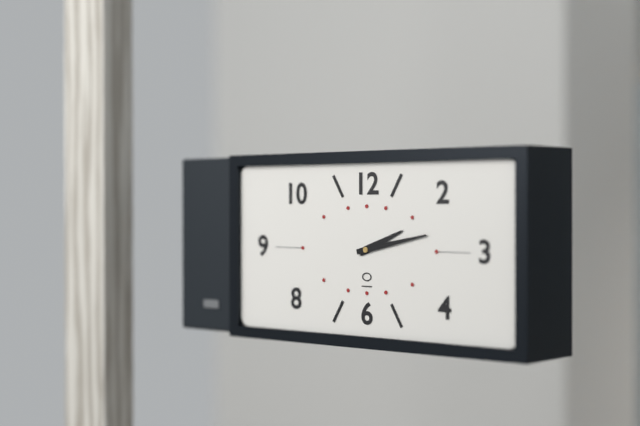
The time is {"hour": 2, "minute": 13}
